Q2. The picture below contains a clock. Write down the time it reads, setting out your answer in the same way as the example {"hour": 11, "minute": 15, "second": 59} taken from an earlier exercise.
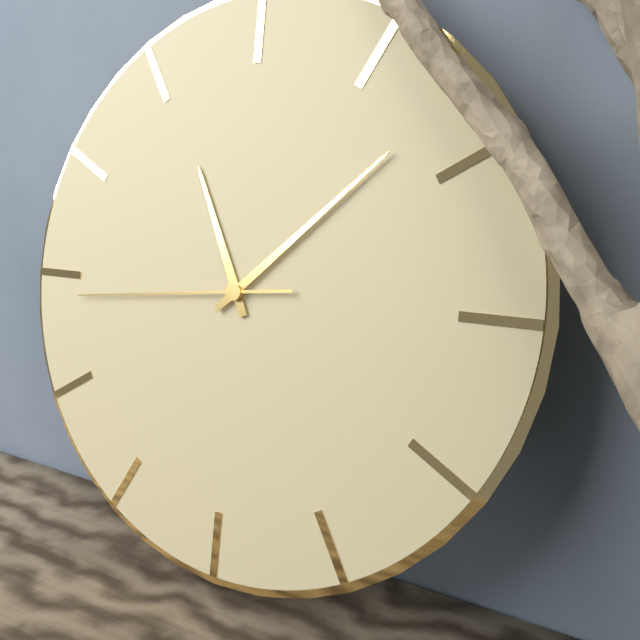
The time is {"hour": 11, "minute": 8, "second": 44}
